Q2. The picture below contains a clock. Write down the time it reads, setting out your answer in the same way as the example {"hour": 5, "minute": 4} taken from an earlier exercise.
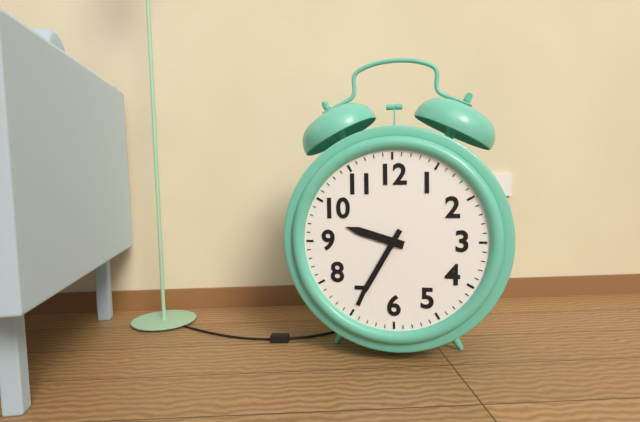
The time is {"hour": 9, "minute": 35}
